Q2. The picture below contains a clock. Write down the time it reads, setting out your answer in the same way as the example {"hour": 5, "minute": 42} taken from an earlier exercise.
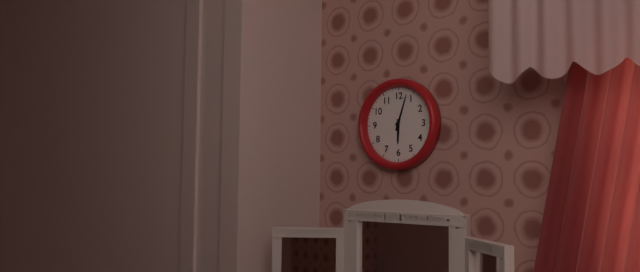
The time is {"hour": 6, "minute": 3}
